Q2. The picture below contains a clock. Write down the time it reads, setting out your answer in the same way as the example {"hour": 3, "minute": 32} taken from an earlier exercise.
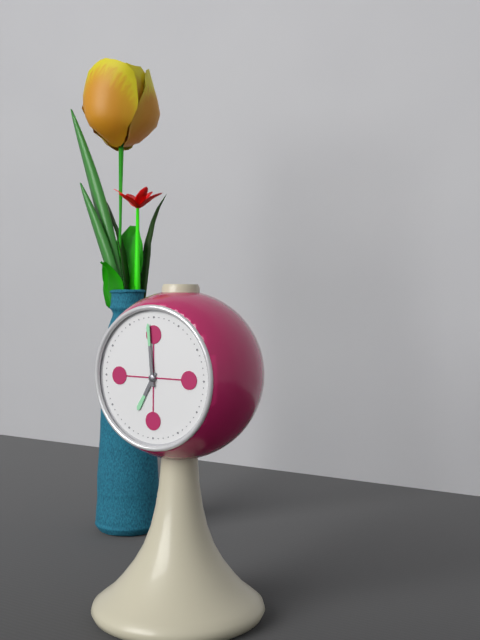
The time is {"hour": 6, "minute": 59}
